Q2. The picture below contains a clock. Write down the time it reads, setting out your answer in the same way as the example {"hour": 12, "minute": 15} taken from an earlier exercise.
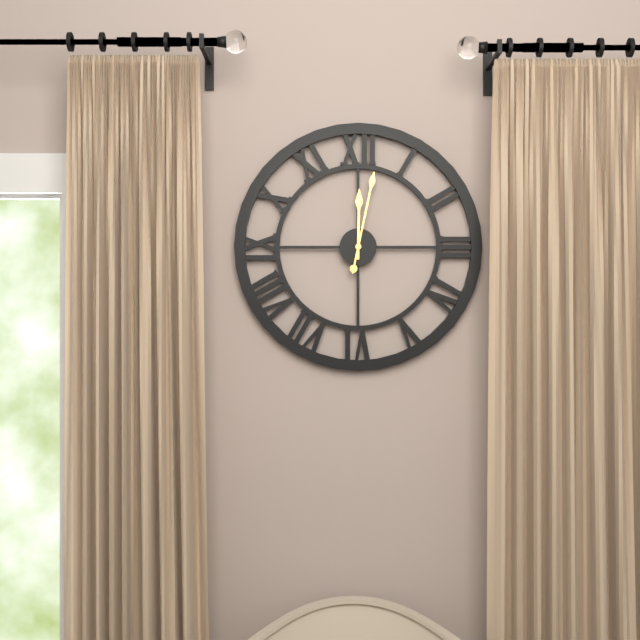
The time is {"hour": 12, "minute": 2}
